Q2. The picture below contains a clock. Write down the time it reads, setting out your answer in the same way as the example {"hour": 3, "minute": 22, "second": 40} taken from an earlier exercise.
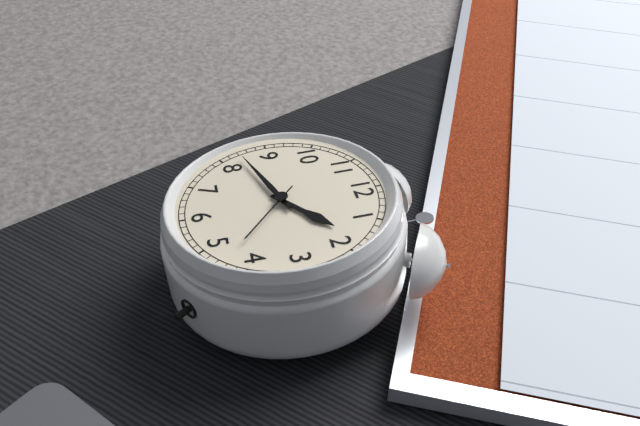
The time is {"hour": 1, "minute": 42, "second": 22}
